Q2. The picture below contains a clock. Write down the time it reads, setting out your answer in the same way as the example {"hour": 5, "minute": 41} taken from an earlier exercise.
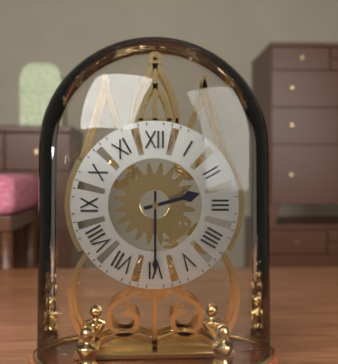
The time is {"hour": 2, "minute": 30}
